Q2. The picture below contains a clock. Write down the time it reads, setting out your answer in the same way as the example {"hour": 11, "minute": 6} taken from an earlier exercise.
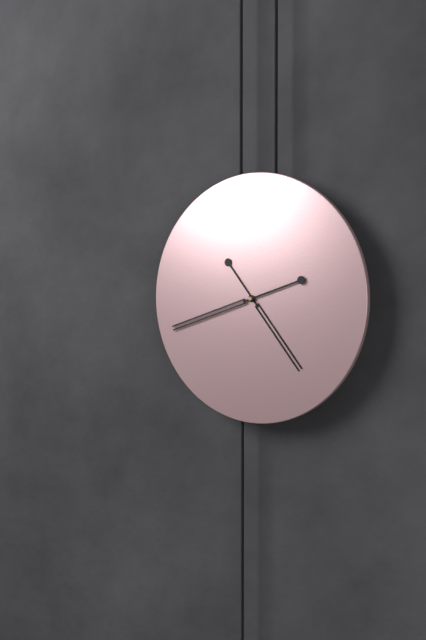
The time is {"hour": 4, "minute": 42}
